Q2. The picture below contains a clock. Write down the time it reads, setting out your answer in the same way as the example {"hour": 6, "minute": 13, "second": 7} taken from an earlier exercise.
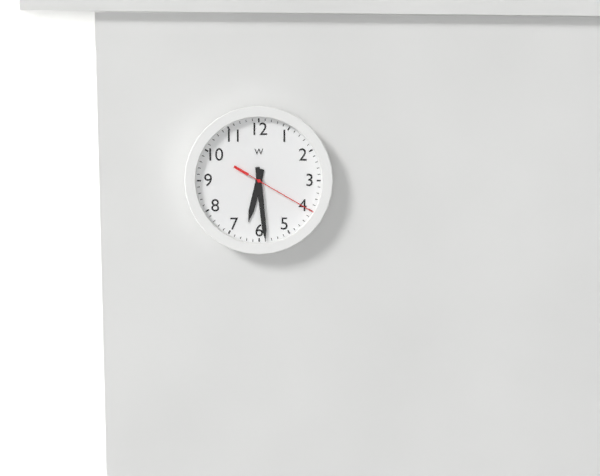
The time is {"hour": 6, "minute": 29, "second": 20}
